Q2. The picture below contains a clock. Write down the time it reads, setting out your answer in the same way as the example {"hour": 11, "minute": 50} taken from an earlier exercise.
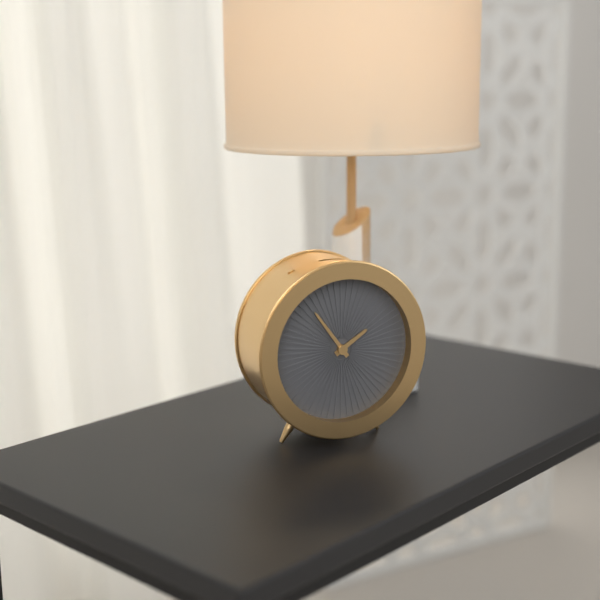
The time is {"hour": 1, "minute": 54}
